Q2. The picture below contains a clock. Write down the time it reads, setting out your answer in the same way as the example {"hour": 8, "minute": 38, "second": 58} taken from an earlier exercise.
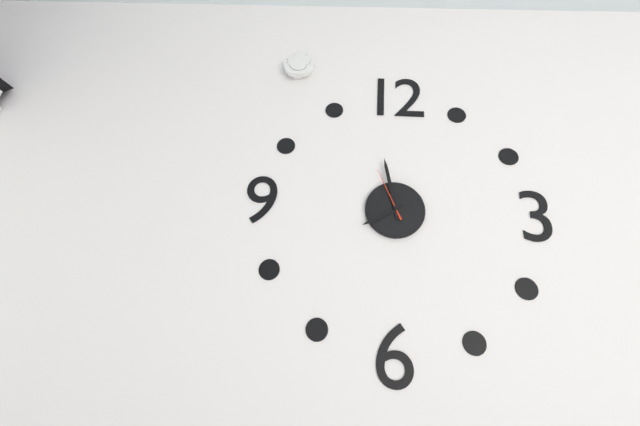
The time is {"hour": 7, "minute": 58, "second": 56}
